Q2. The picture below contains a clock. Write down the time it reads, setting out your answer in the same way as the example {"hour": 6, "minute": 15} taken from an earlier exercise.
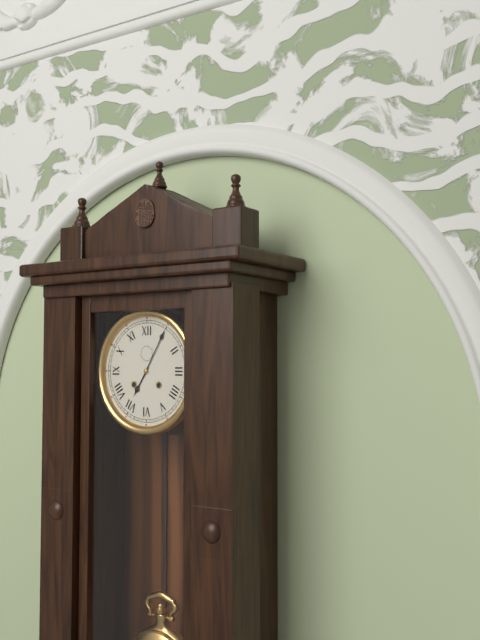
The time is {"hour": 7, "minute": 5}
